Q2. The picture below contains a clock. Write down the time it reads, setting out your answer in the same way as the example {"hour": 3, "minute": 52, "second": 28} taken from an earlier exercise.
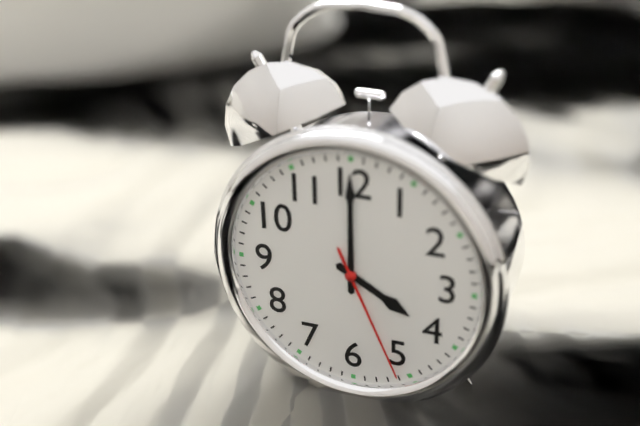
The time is {"hour": 4, "minute": 0, "second": 26}
